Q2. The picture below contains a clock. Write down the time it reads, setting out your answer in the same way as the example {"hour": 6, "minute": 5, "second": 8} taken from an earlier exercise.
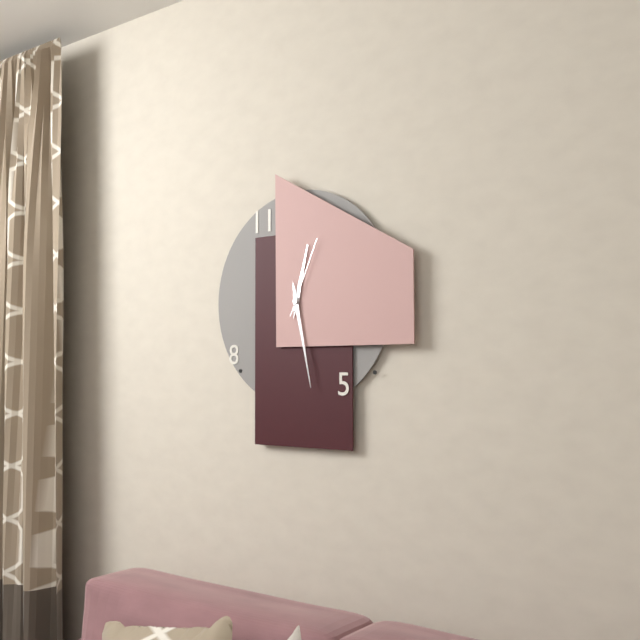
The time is {"hour": 12, "minute": 28, "second": 4}
